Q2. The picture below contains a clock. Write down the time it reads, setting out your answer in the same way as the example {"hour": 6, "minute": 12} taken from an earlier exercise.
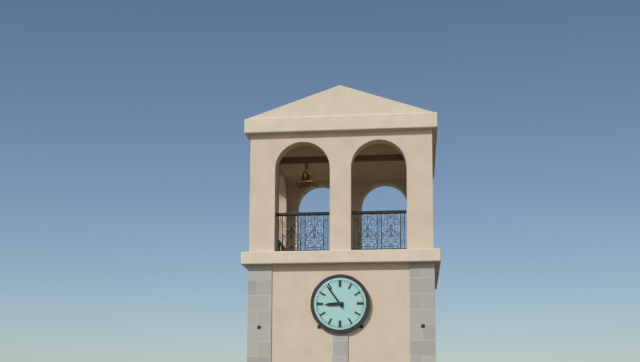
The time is {"hour": 8, "minute": 54}
